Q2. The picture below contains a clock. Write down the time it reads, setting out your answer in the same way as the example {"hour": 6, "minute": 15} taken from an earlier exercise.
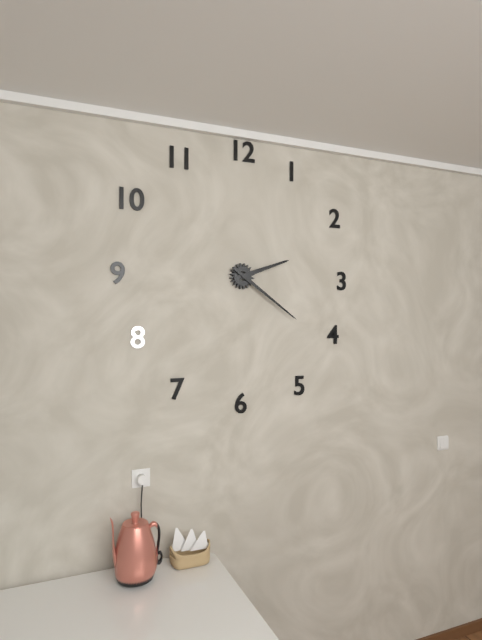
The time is {"hour": 2, "minute": 21}
